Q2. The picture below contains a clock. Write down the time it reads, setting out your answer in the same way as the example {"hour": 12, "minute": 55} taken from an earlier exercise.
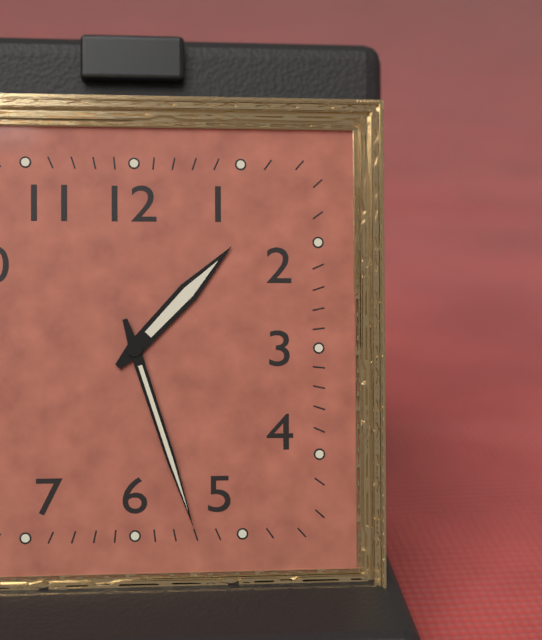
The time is {"hour": 1, "minute": 27}
